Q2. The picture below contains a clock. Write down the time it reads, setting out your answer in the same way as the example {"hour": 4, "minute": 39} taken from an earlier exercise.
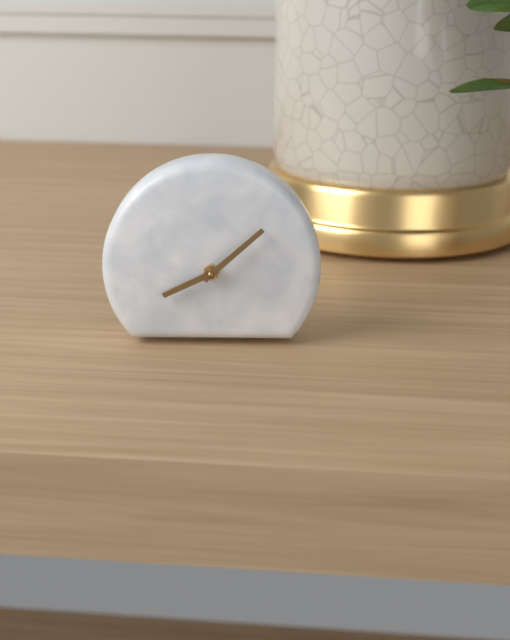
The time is {"hour": 8, "minute": 8}
